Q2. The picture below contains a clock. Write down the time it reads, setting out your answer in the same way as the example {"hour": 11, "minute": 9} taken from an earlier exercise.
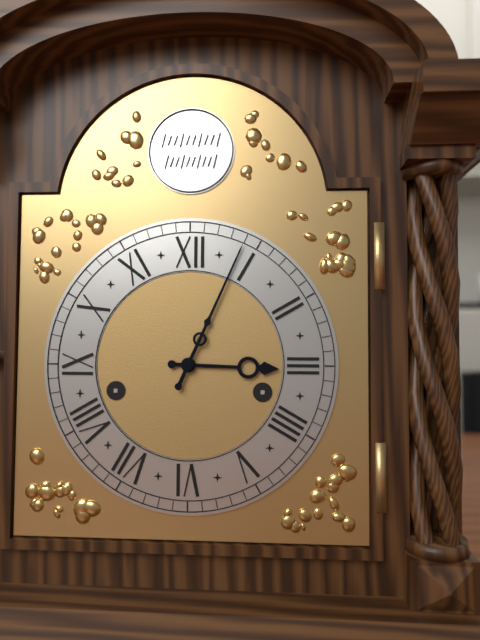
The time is {"hour": 3, "minute": 4}
